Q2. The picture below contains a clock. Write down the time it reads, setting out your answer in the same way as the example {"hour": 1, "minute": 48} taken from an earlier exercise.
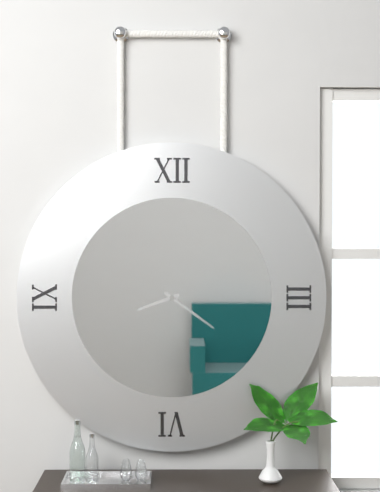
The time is {"hour": 8, "minute": 21}
